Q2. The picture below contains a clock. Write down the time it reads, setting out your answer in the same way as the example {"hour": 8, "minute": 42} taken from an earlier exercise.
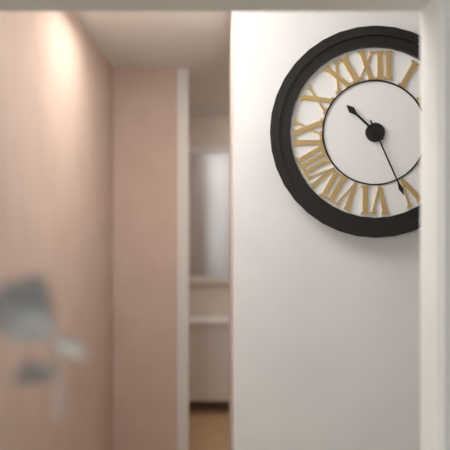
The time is {"hour": 10, "minute": 26}
